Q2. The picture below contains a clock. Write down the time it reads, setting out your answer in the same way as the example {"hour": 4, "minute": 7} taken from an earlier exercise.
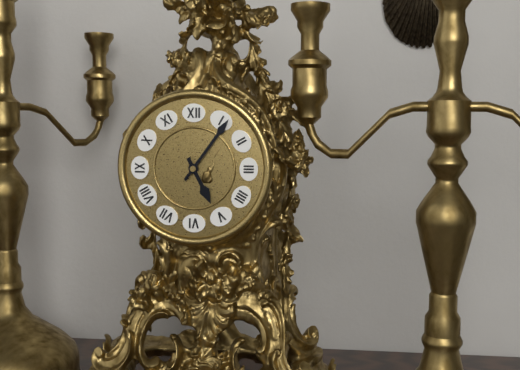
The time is {"hour": 5, "minute": 6}
